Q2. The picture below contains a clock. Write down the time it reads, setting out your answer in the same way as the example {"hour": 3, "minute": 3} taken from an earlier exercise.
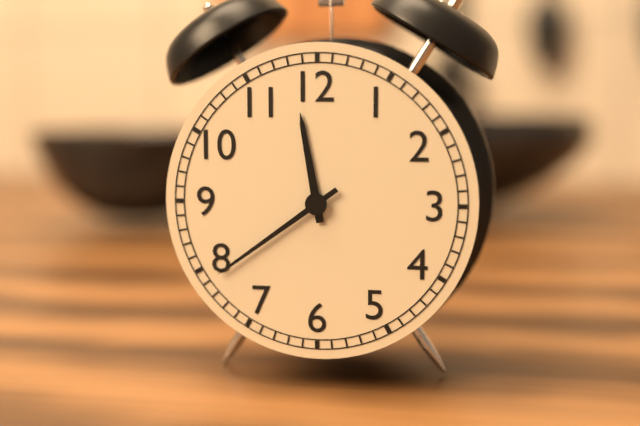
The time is {"hour": 11, "minute": 39}
